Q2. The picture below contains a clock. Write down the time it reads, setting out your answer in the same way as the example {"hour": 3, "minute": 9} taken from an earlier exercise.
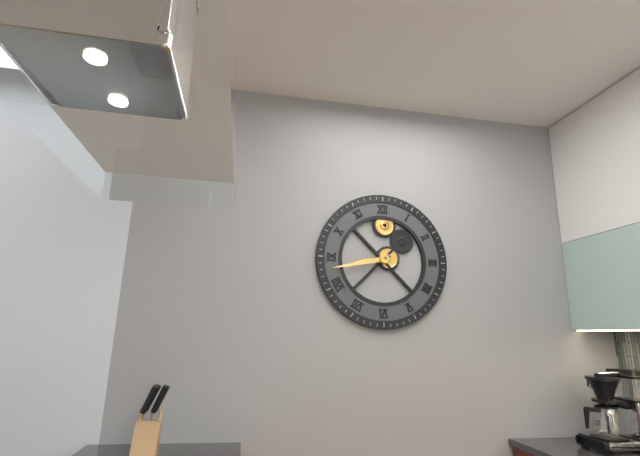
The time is {"hour": 8, "minute": 43}
